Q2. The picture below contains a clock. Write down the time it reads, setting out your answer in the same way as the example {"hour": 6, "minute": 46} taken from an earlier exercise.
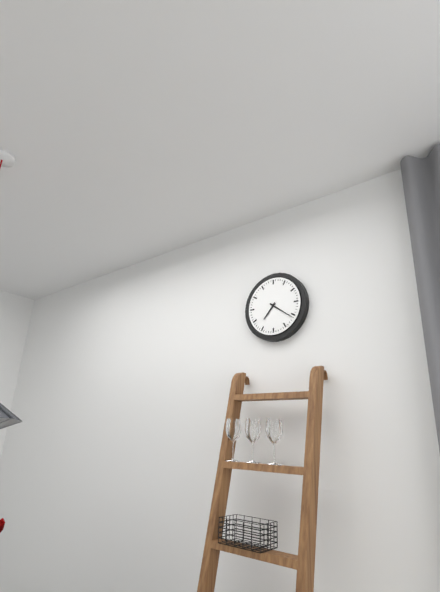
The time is {"hour": 7, "minute": 21}
